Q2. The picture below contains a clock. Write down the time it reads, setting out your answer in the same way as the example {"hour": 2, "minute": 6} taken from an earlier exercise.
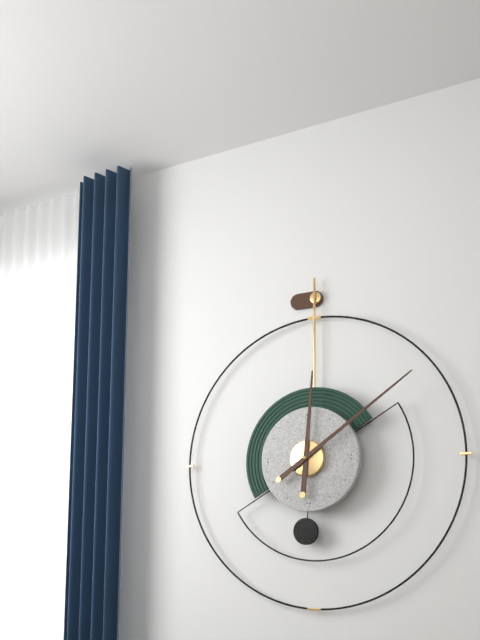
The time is {"hour": 12, "minute": 9}
